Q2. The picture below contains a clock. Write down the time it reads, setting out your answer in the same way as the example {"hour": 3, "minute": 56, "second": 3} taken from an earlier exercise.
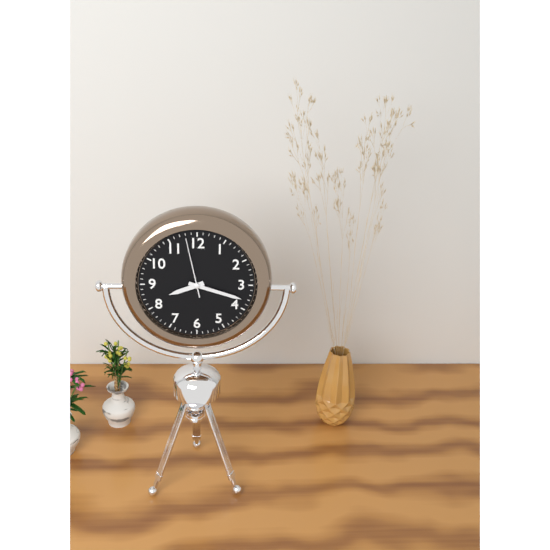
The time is {"hour": 8, "minute": 18, "second": 58}
